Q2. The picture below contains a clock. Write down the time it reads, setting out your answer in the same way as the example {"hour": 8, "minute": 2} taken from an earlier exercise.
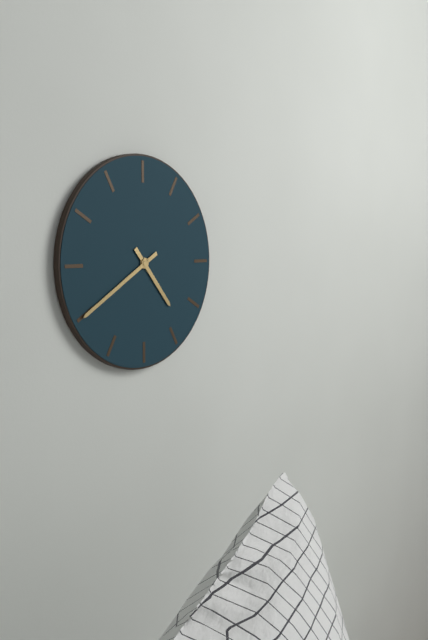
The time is {"hour": 4, "minute": 40}
